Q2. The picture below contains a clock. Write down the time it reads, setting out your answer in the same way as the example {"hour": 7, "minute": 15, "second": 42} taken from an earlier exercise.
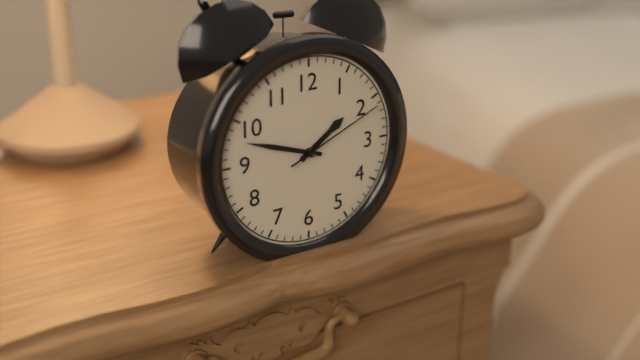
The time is {"hour": 1, "minute": 48, "second": 11}
